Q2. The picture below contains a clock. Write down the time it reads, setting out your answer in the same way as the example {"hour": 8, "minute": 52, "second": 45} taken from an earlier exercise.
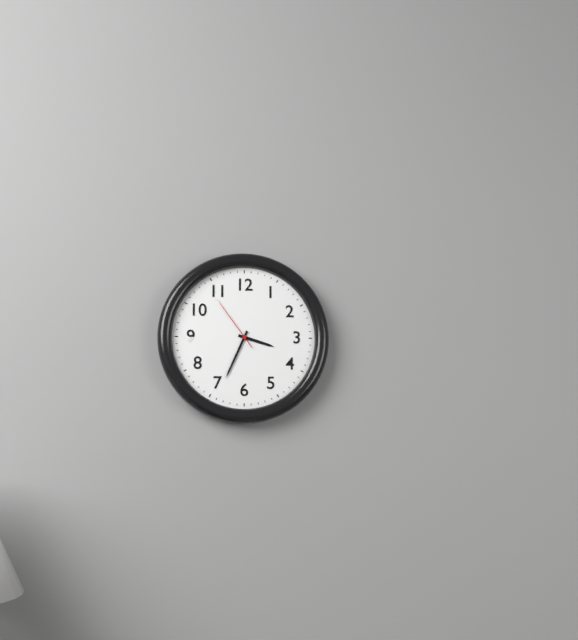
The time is {"hour": 3, "minute": 34, "second": 54}
